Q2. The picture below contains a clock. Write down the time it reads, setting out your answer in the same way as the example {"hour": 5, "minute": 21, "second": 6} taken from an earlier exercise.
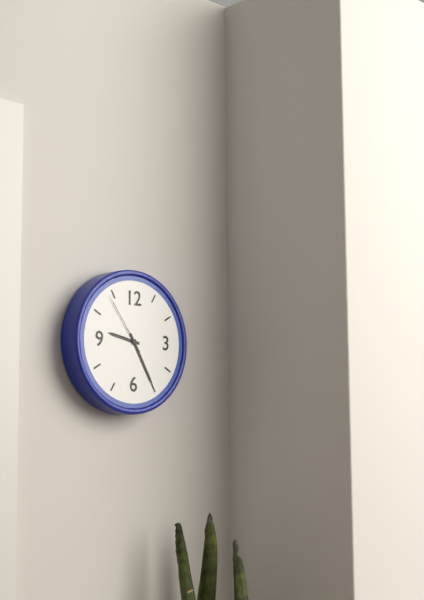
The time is {"hour": 9, "minute": 25, "second": 54}
